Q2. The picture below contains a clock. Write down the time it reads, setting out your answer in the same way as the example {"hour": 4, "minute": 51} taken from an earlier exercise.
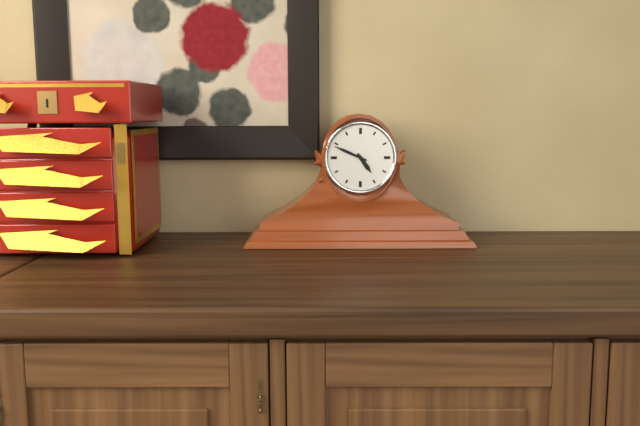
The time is {"hour": 4, "minute": 49}
